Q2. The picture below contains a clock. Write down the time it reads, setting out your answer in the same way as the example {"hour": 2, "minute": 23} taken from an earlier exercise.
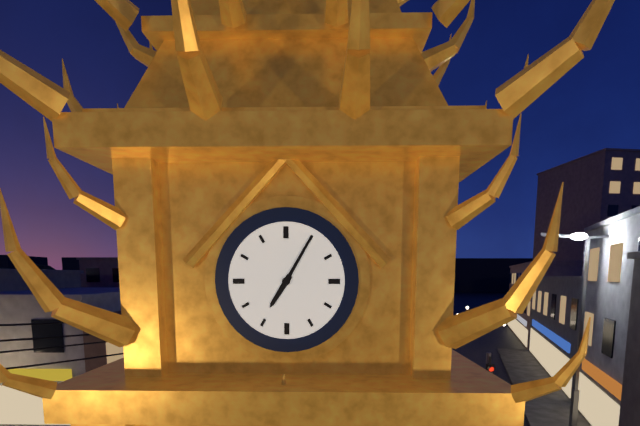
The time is {"hour": 7, "minute": 5}
